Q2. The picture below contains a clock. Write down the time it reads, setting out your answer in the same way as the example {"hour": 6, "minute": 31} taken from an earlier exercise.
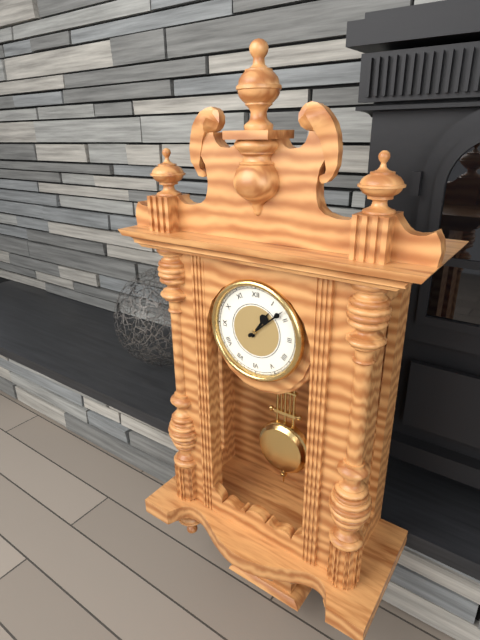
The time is {"hour": 1, "minute": 8}
